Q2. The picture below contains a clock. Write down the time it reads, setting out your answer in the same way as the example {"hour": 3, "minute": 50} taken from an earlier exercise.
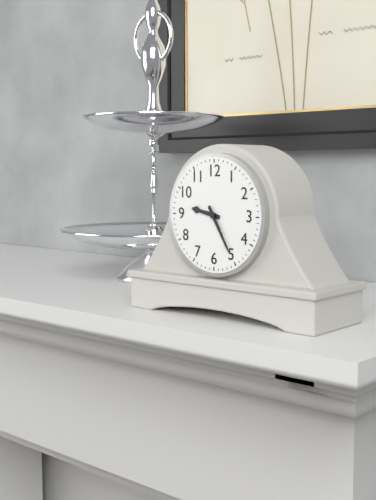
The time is {"hour": 9, "minute": 25}
